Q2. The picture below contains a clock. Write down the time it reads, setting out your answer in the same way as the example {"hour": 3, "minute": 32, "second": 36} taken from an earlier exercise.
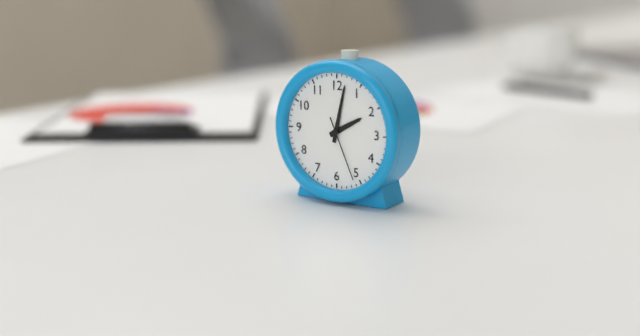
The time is {"hour": 2, "minute": 2, "second": 26}
